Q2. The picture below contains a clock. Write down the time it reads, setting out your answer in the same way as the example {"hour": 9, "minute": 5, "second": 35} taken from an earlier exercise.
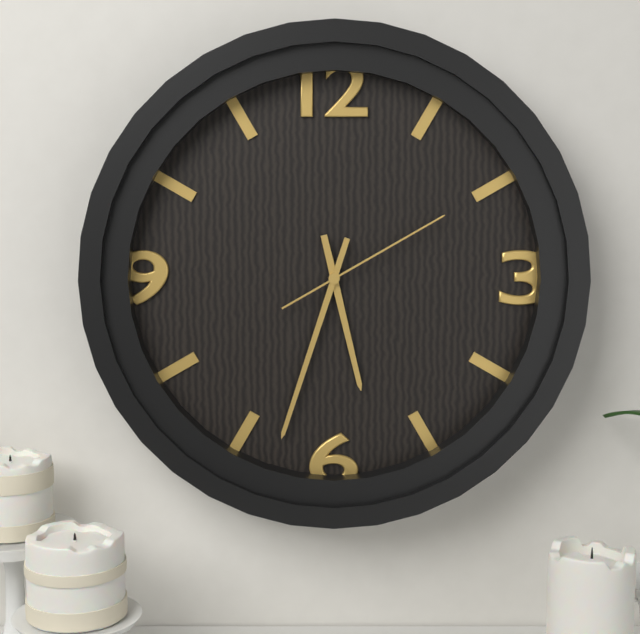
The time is {"hour": 5, "minute": 33, "second": 10}
